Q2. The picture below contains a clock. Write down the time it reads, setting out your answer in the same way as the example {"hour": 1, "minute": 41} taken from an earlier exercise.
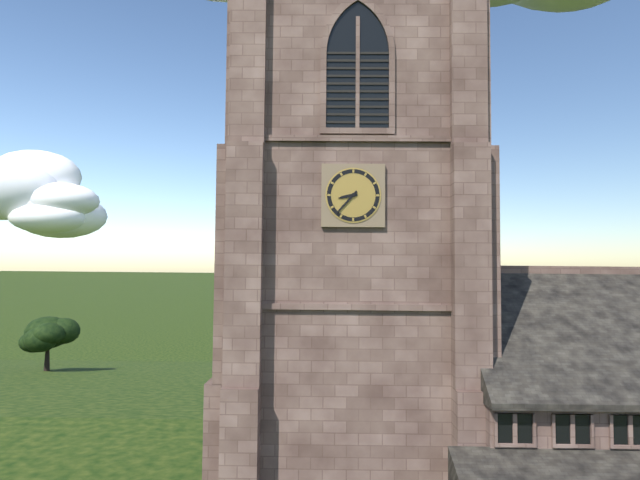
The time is {"hour": 8, "minute": 37}
